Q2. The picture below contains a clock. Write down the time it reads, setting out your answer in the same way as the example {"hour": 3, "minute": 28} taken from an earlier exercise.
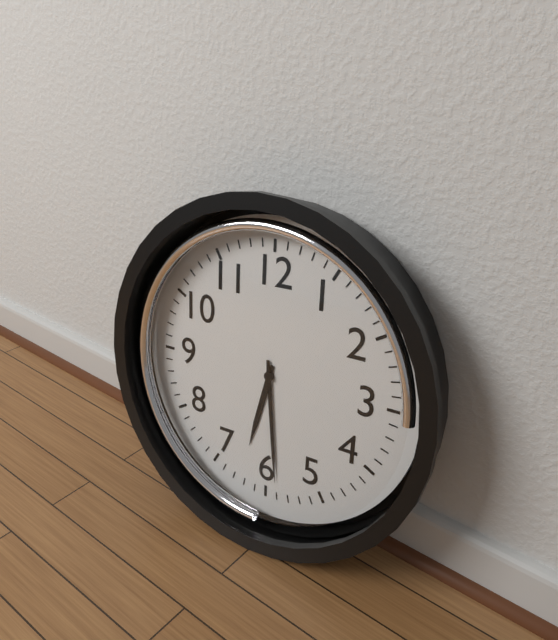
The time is {"hour": 6, "minute": 29}
